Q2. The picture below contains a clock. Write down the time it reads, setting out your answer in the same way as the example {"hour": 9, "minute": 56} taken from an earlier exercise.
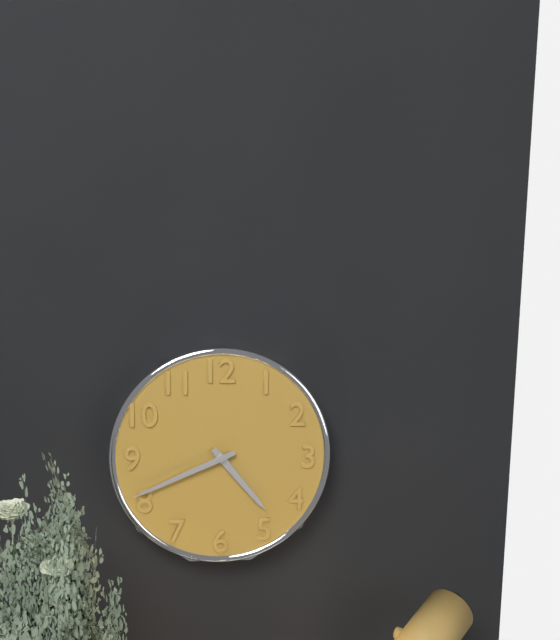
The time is {"hour": 4, "minute": 41}
